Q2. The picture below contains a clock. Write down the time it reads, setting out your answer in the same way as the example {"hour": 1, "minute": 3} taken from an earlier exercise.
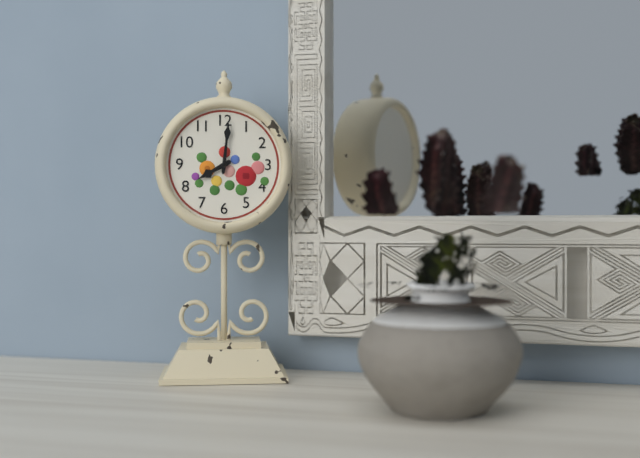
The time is {"hour": 8, "minute": 1}
